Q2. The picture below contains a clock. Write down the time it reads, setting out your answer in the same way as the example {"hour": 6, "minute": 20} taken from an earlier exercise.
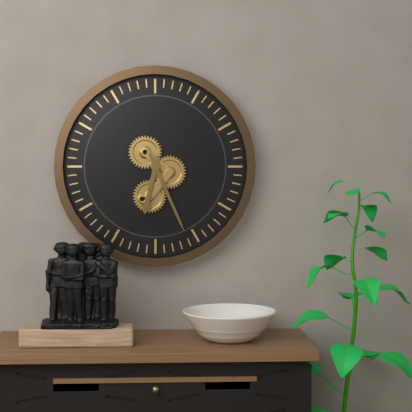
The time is {"hour": 6, "minute": 26}
